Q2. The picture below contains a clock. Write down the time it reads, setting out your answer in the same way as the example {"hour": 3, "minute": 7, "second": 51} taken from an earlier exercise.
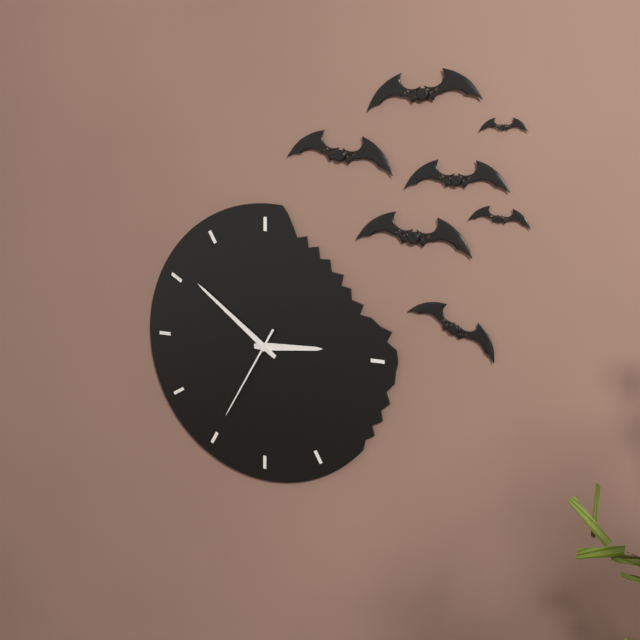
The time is {"hour": 2, "minute": 51, "second": 35}
